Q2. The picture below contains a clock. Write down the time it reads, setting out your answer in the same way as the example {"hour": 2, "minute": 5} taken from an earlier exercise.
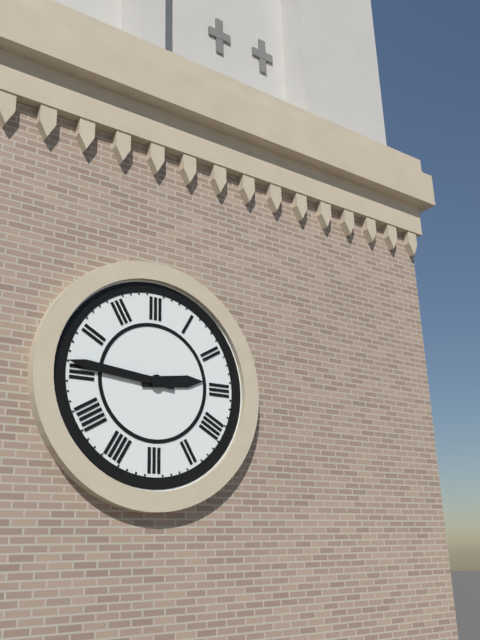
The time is {"hour": 2, "minute": 46}
